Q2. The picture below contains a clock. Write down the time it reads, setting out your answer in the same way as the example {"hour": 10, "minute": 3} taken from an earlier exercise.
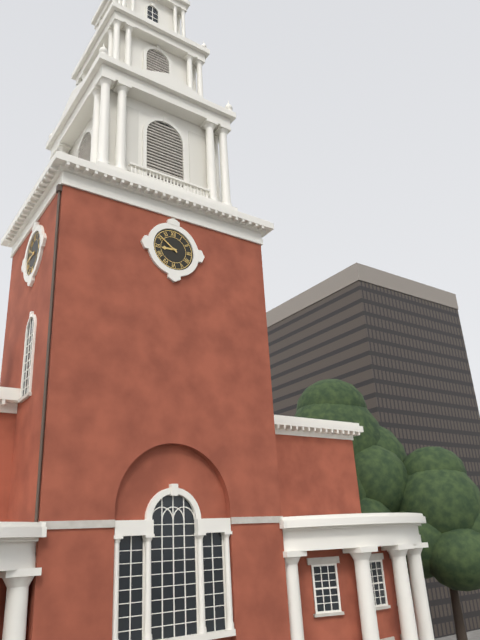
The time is {"hour": 8, "minute": 51}
